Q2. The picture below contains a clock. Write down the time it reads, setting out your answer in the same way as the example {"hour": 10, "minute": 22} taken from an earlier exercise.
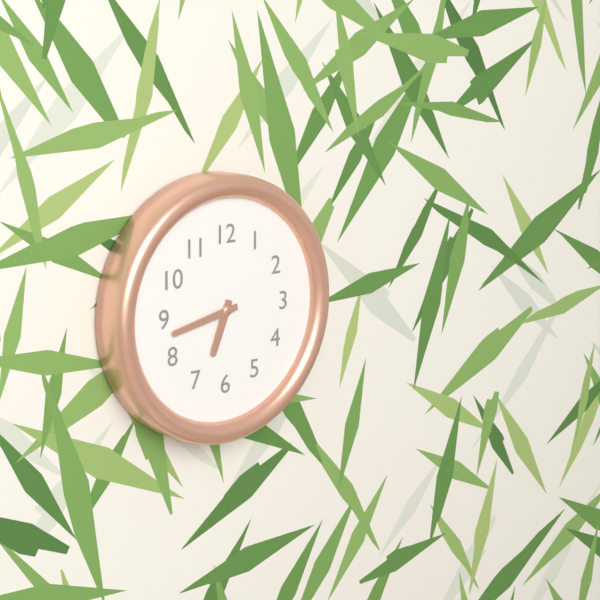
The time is {"hour": 6, "minute": 43}
